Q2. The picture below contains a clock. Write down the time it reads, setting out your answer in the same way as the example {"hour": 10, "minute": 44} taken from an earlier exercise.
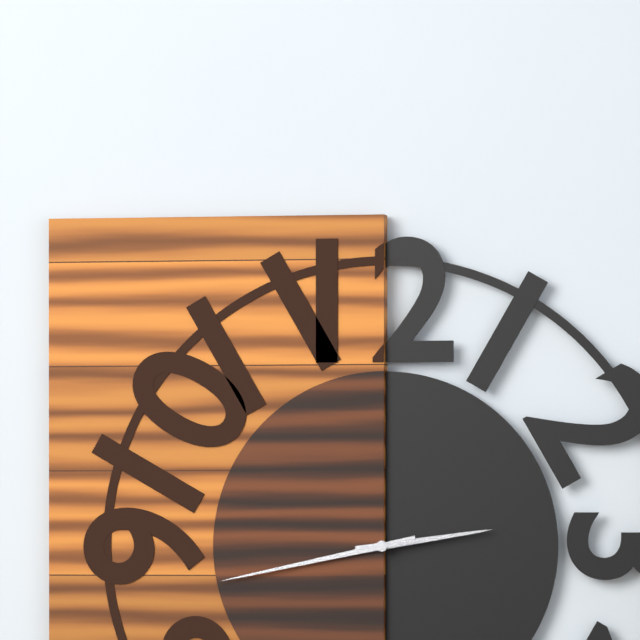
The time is {"hour": 2, "minute": 43}
